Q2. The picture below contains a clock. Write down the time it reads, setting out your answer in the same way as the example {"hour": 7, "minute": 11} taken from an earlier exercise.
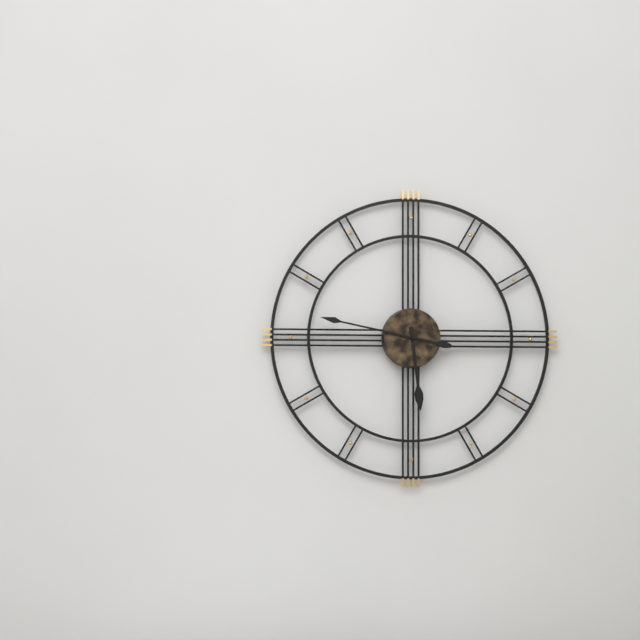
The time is {"hour": 5, "minute": 47}
